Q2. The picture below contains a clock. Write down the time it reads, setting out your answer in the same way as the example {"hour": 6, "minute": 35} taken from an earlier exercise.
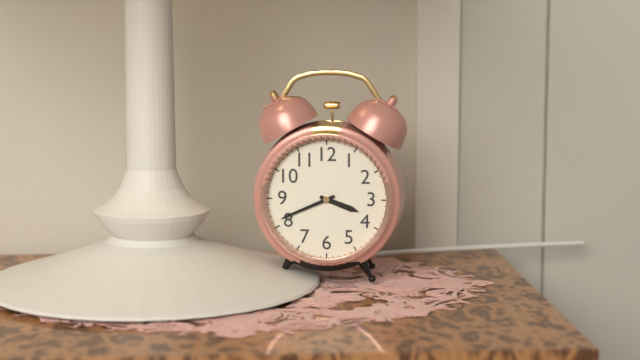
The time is {"hour": 3, "minute": 41}
